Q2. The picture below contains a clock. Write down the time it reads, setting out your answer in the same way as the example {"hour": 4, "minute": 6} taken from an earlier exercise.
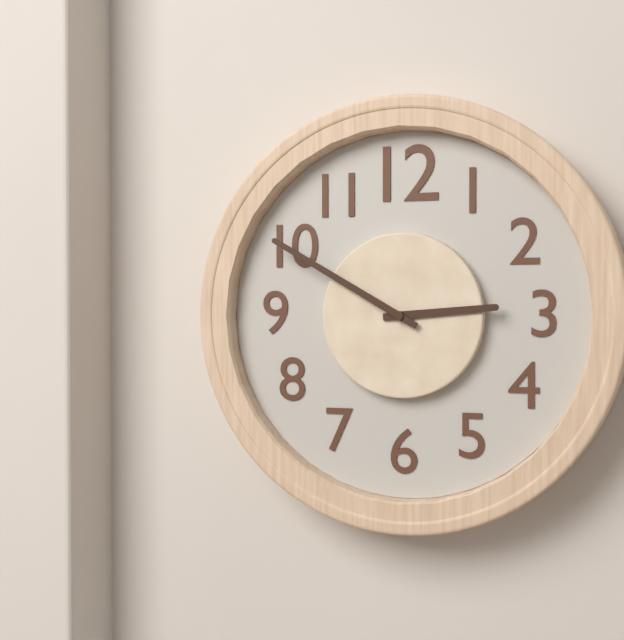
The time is {"hour": 2, "minute": 50}
